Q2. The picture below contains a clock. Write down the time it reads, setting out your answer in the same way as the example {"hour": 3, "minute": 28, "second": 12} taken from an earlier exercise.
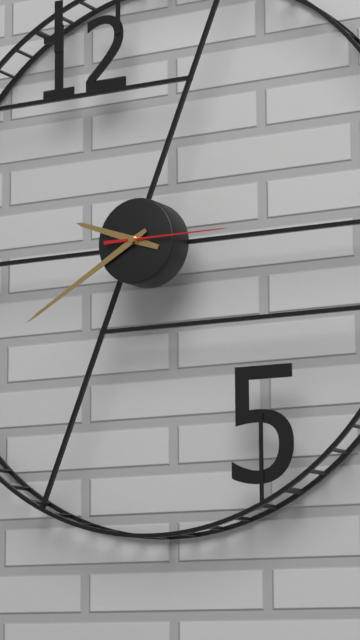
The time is {"hour": 9, "minute": 40, "second": 15}
